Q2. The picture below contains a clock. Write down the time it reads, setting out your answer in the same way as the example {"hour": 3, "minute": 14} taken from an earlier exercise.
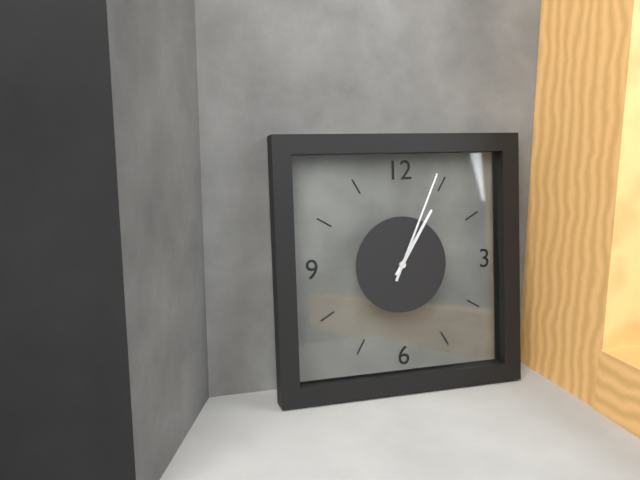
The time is {"hour": 1, "minute": 4}
